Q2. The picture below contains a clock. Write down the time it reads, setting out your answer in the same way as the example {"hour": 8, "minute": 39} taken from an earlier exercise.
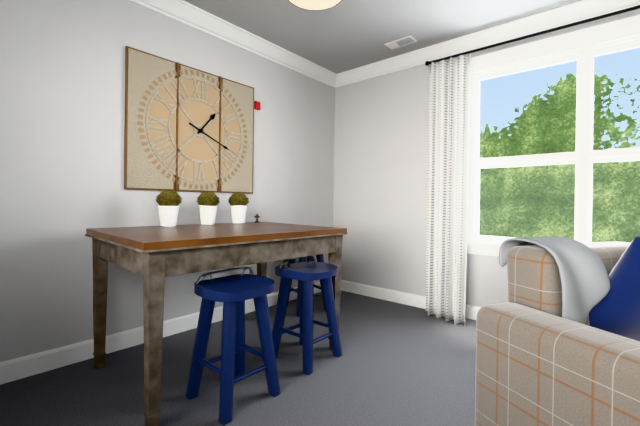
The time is {"hour": 1, "minute": 19}
